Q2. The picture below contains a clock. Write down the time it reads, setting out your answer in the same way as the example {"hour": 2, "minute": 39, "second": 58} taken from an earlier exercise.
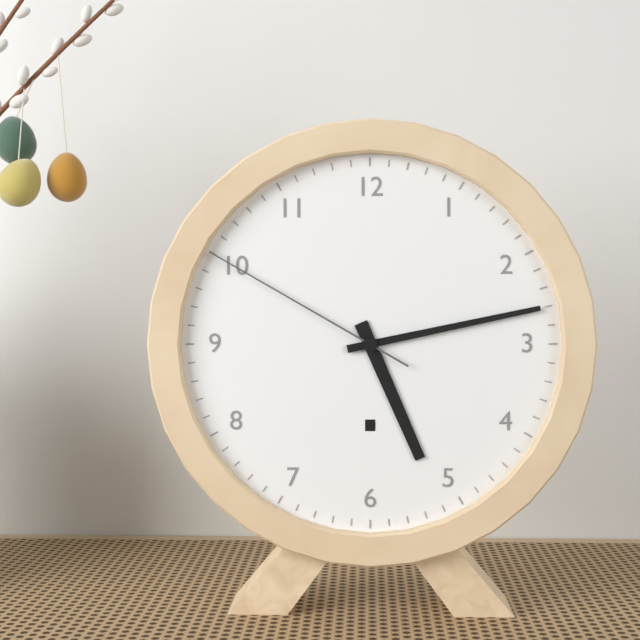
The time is {"hour": 5, "minute": 13, "second": 50}
